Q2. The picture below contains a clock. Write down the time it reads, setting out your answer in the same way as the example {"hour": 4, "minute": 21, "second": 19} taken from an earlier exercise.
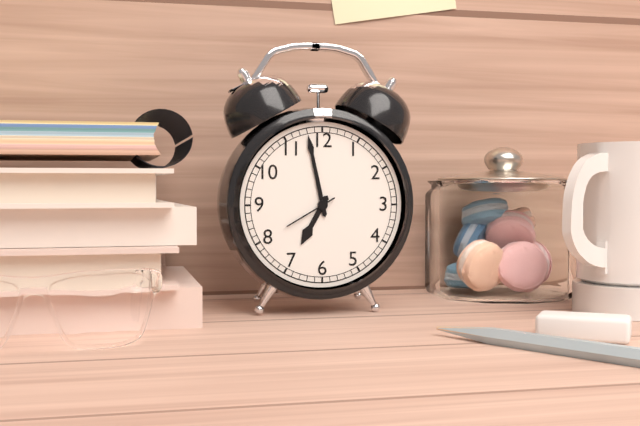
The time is {"hour": 6, "minute": 58, "second": 40}
